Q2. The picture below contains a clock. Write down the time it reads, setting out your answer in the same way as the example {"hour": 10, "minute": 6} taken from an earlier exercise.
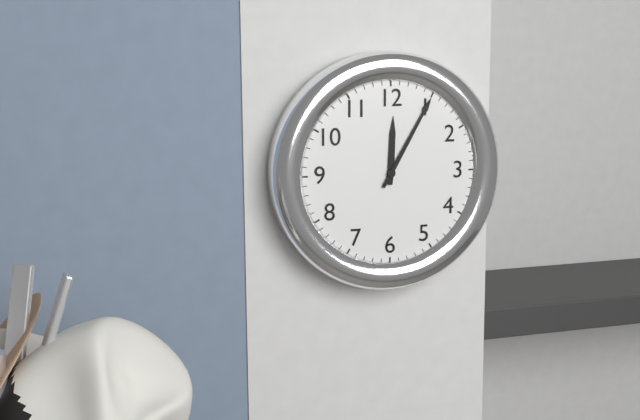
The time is {"hour": 12, "minute": 5}
